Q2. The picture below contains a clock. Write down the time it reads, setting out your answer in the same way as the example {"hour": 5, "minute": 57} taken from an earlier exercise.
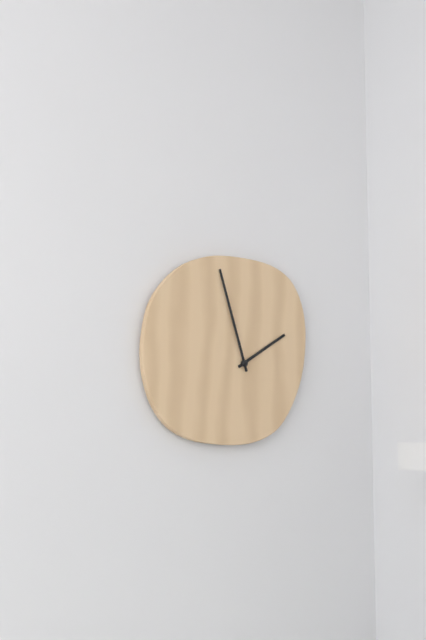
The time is {"hour": 1, "minute": 57}
